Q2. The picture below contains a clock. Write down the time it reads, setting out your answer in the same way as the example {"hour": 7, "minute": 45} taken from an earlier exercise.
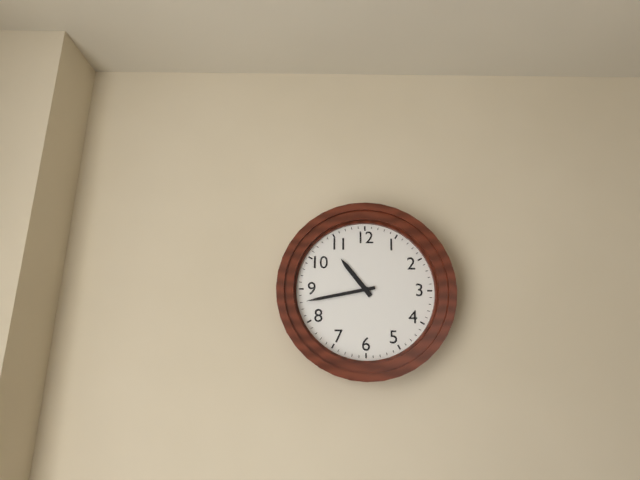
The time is {"hour": 10, "minute": 43}
